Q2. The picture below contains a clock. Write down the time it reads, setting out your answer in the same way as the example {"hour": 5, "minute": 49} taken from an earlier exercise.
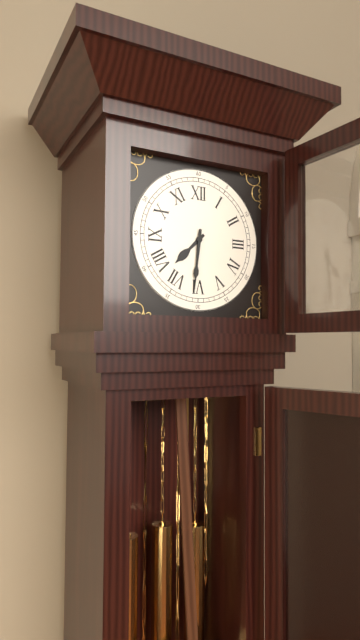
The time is {"hour": 7, "minute": 31}
